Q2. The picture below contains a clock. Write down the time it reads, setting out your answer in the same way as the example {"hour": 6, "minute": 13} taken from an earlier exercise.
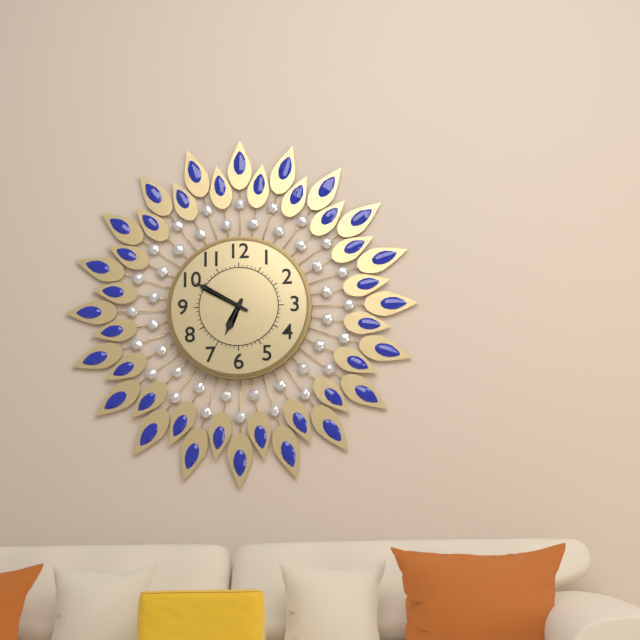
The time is {"hour": 6, "minute": 50}
